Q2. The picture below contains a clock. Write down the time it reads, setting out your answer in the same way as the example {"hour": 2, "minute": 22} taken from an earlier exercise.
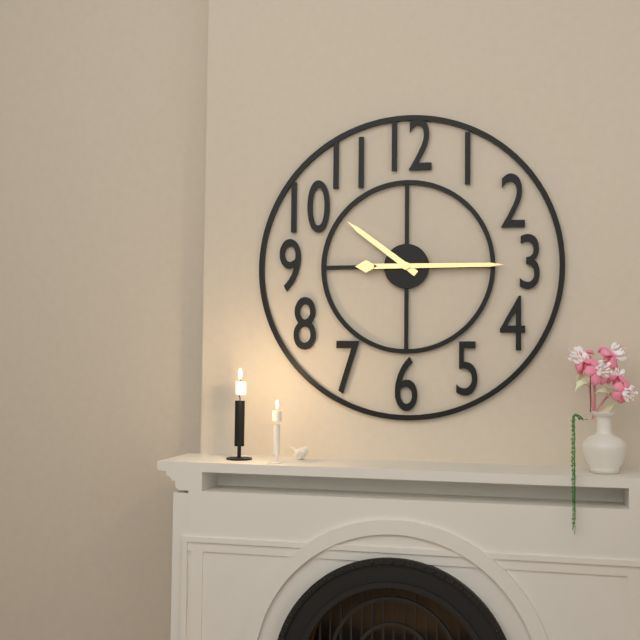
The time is {"hour": 10, "minute": 15}
